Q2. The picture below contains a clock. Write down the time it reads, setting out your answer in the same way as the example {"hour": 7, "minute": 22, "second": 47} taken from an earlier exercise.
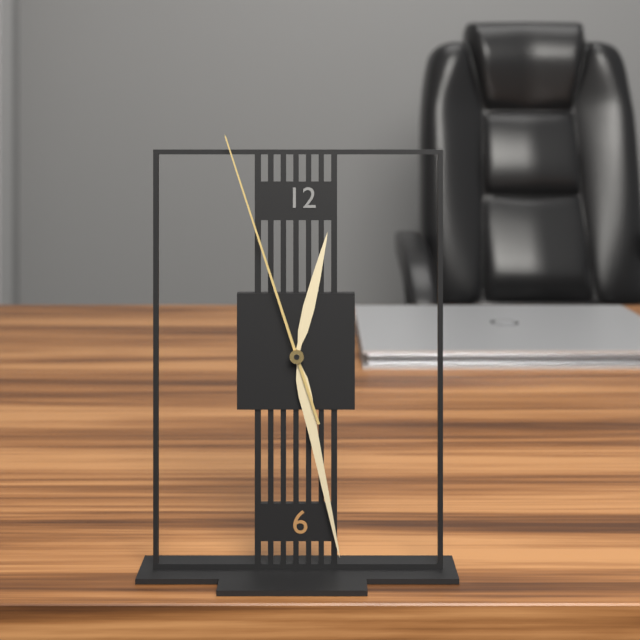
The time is {"hour": 12, "minute": 28, "second": 57}
